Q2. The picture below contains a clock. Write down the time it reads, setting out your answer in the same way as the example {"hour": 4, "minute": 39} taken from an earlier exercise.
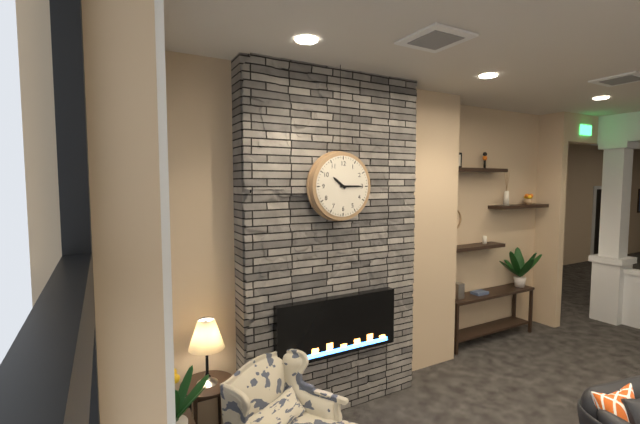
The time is {"hour": 10, "minute": 15}
